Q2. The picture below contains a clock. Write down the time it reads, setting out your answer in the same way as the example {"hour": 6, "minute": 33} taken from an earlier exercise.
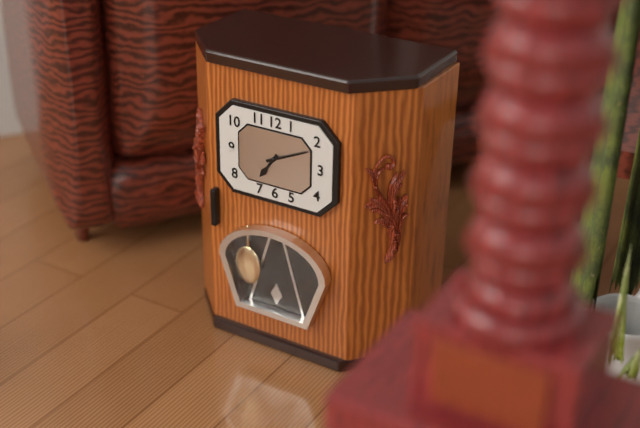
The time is {"hour": 7, "minute": 11}
